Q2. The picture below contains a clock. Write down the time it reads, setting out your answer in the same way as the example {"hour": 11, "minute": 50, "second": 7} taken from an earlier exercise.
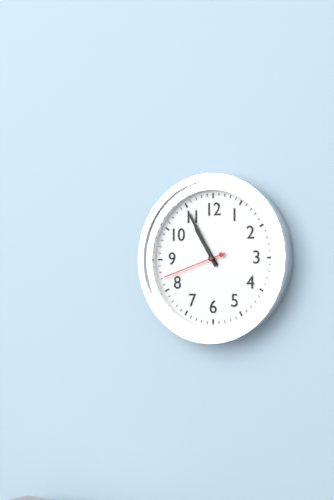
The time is {"hour": 10, "minute": 55, "second": 42}
